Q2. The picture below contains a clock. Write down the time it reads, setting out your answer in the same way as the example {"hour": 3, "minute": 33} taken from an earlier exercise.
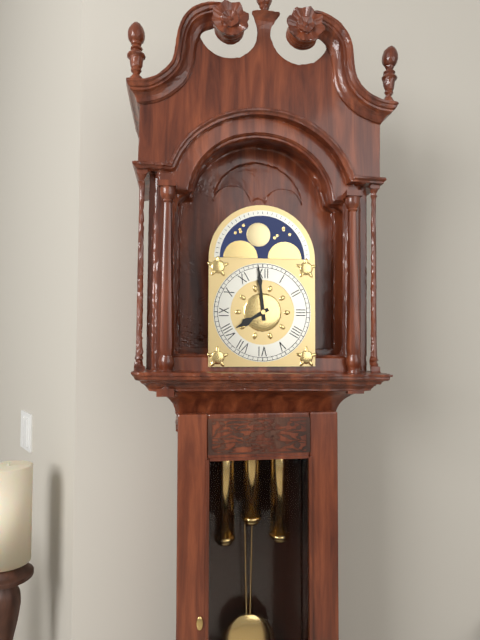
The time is {"hour": 7, "minute": 59}
